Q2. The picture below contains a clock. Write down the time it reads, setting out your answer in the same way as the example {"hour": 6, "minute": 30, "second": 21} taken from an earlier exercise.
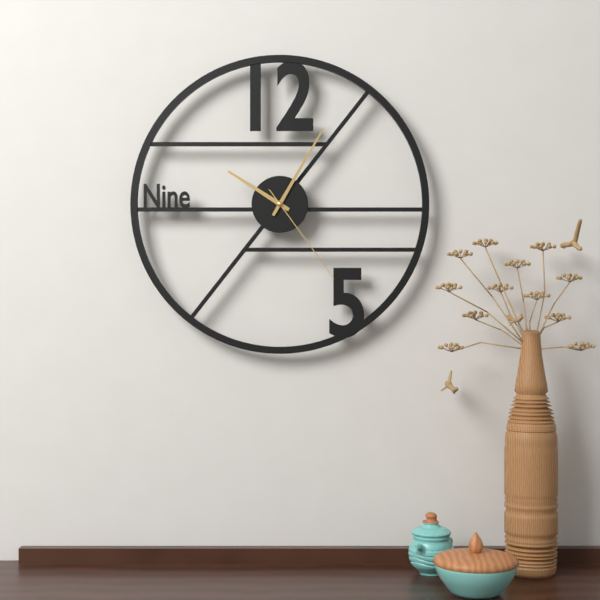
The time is {"hour": 10, "minute": 5, "second": 24}
